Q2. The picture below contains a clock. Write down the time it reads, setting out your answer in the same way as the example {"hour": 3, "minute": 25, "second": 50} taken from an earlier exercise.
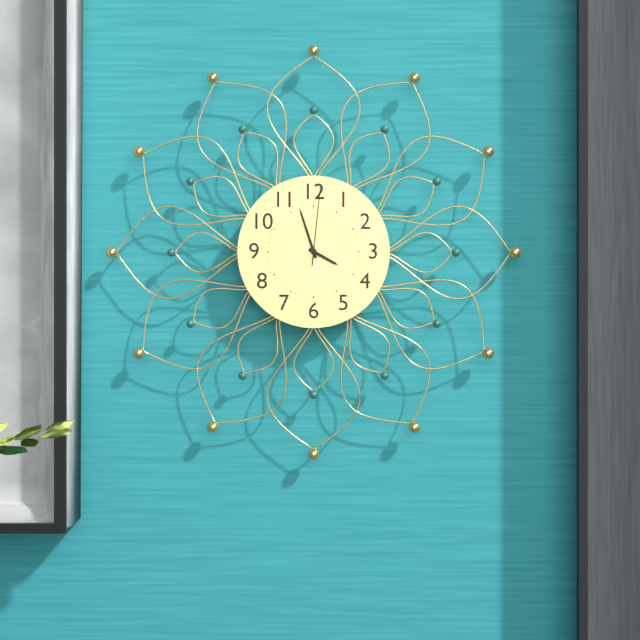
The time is {"hour": 3, "minute": 57, "second": 1}
